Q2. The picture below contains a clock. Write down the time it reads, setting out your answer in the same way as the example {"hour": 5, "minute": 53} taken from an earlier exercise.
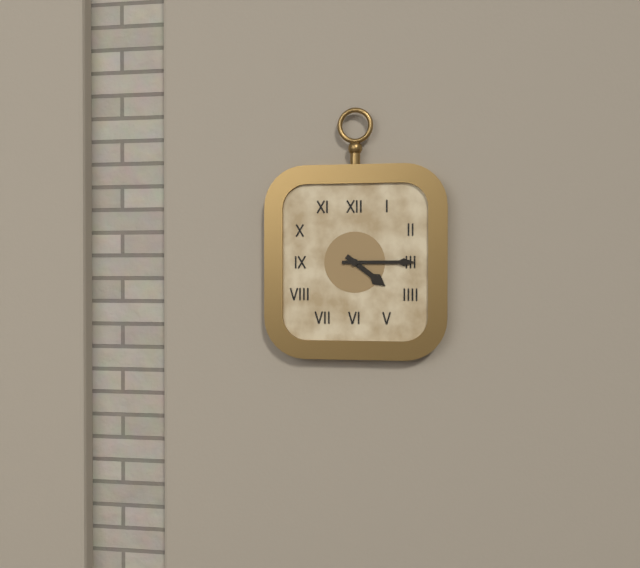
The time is {"hour": 4, "minute": 15}
